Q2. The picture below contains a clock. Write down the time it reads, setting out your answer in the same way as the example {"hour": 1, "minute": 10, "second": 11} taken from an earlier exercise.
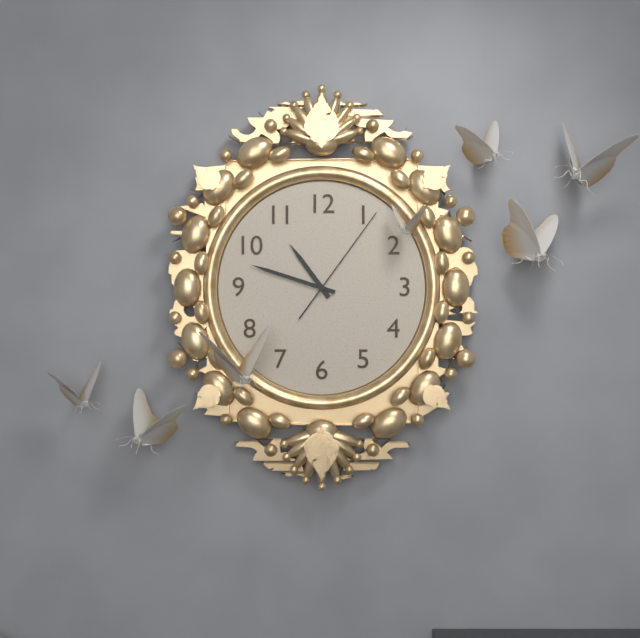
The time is {"hour": 10, "minute": 48, "second": 6}
